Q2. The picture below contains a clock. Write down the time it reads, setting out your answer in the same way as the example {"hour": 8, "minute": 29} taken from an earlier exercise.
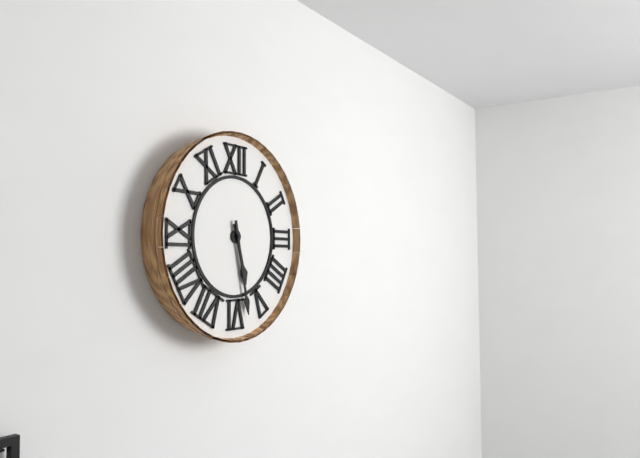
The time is {"hour": 5, "minute": 28}
